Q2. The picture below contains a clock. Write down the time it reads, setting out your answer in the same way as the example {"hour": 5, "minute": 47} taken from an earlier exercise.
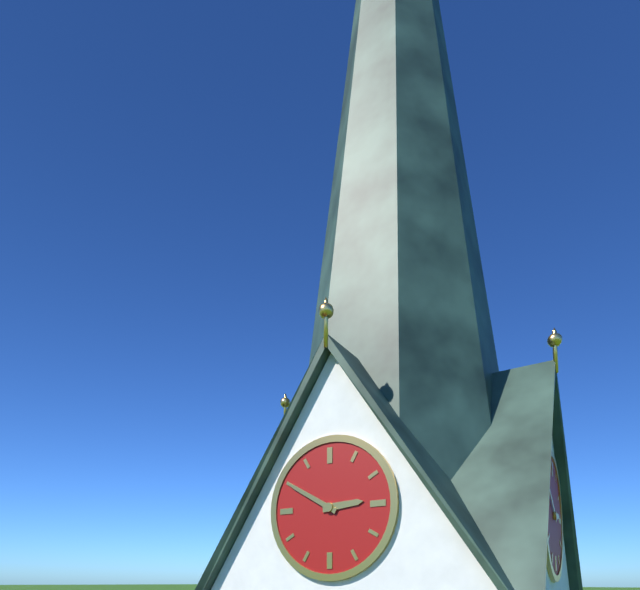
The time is {"hour": 2, "minute": 50}
